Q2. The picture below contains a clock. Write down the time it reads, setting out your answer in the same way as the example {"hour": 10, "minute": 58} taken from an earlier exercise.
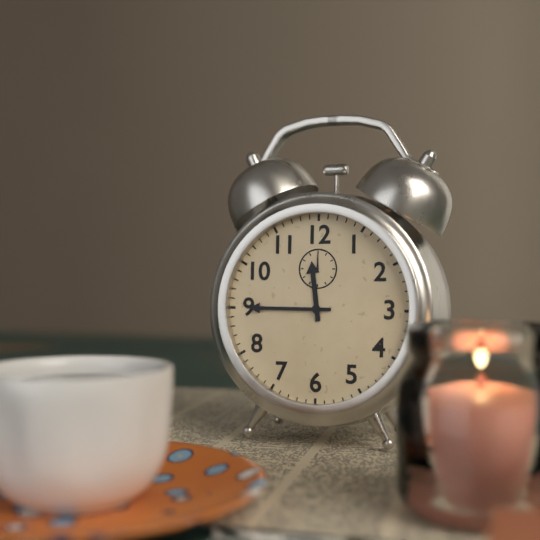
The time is {"hour": 11, "minute": 45}
